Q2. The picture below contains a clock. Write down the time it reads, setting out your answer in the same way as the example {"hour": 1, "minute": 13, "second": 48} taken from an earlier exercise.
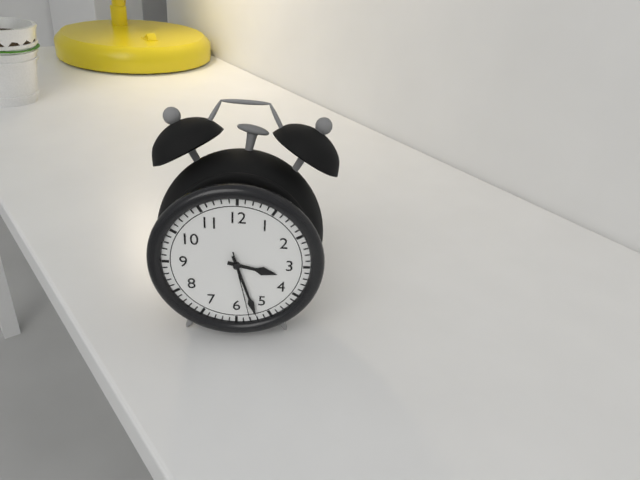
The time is {"hour": 3, "minute": 27, "second": 28}
